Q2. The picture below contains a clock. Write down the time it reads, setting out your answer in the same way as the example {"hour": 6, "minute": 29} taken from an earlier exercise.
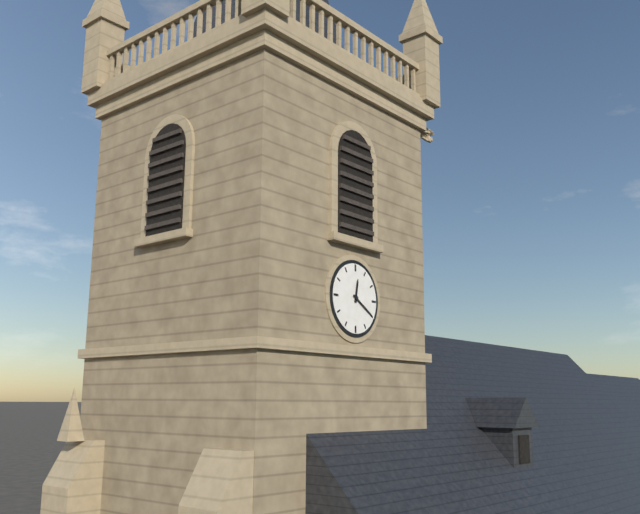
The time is {"hour": 12, "minute": 20}
